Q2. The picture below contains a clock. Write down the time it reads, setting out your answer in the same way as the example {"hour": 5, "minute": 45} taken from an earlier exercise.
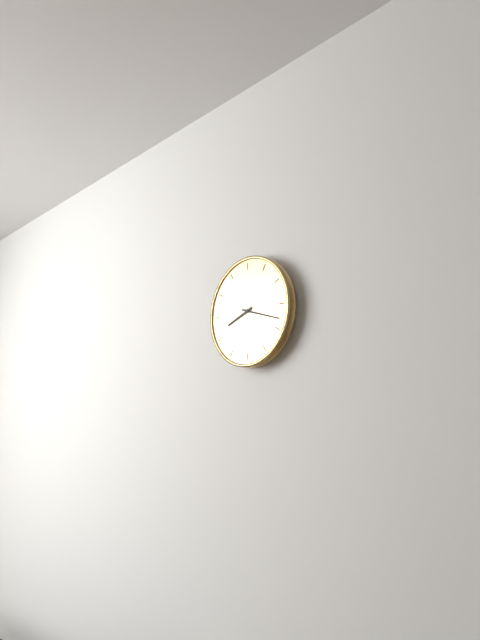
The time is {"hour": 8, "minute": 18}
